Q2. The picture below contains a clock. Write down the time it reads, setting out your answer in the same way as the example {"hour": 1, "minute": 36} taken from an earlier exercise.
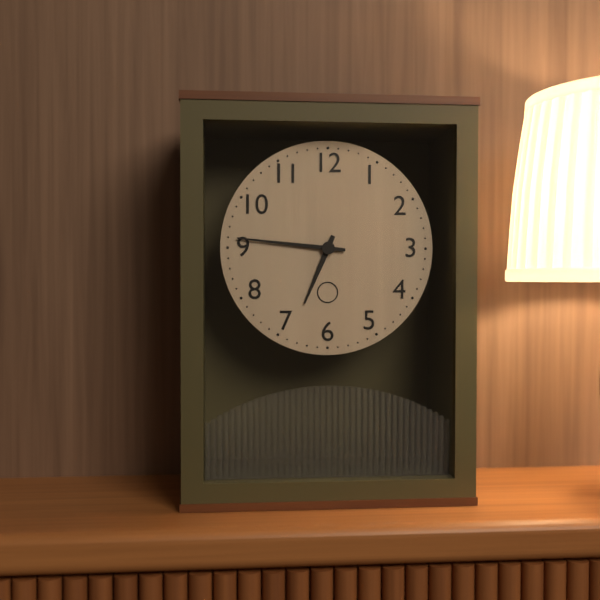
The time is {"hour": 6, "minute": 46}
